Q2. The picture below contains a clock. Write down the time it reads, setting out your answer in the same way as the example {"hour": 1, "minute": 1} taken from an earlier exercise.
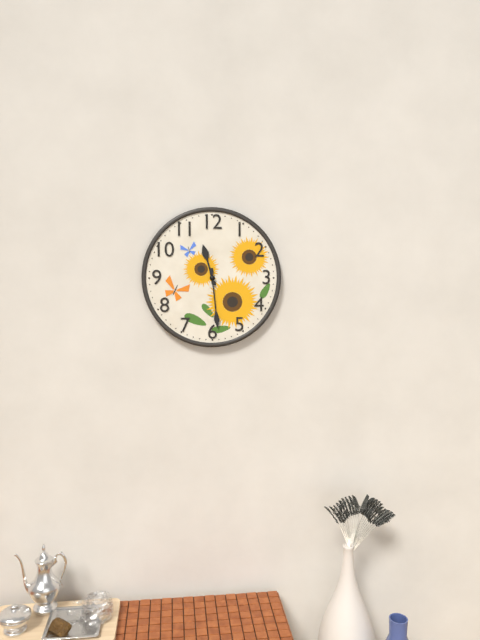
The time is {"hour": 11, "minute": 29}
